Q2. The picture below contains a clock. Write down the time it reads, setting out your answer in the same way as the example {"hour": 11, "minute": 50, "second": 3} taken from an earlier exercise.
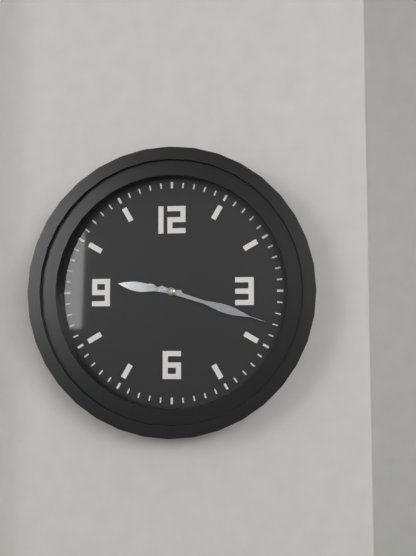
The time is {"hour": 9, "minute": 18, "second": 18}
